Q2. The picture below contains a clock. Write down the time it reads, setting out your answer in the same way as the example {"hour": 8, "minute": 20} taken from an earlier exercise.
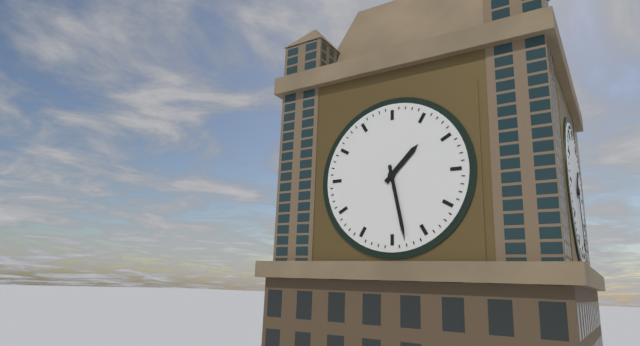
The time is {"hour": 1, "minute": 28}
